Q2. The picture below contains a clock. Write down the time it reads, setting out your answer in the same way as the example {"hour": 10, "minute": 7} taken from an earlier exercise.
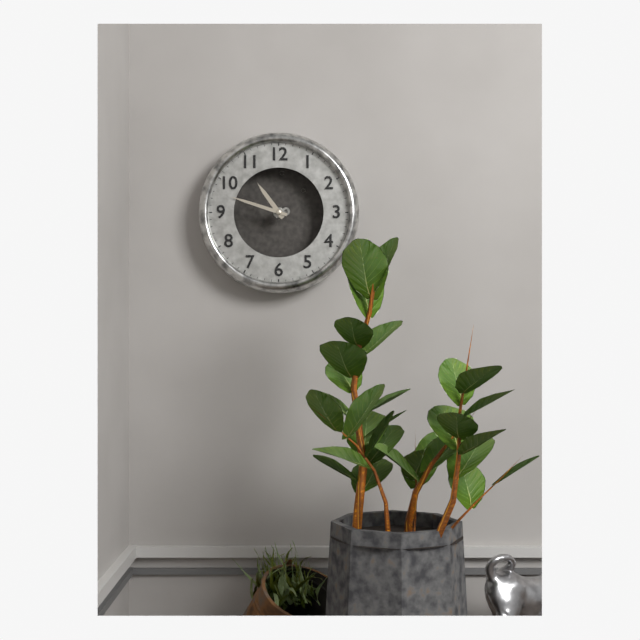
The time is {"hour": 10, "minute": 48}
